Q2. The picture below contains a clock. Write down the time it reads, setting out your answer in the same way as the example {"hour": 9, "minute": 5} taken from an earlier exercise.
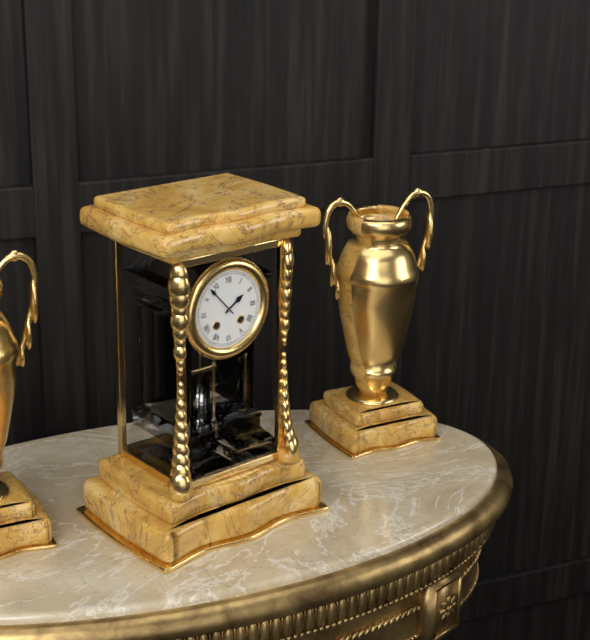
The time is {"hour": 1, "minute": 53}
